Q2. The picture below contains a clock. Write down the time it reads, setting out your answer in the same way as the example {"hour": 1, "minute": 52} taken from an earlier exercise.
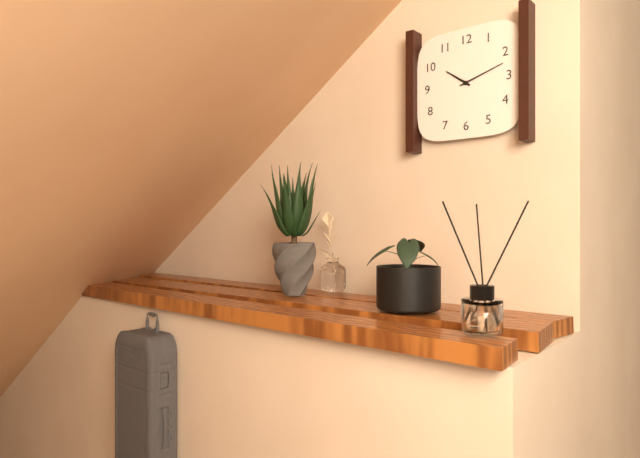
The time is {"hour": 10, "minute": 12}
